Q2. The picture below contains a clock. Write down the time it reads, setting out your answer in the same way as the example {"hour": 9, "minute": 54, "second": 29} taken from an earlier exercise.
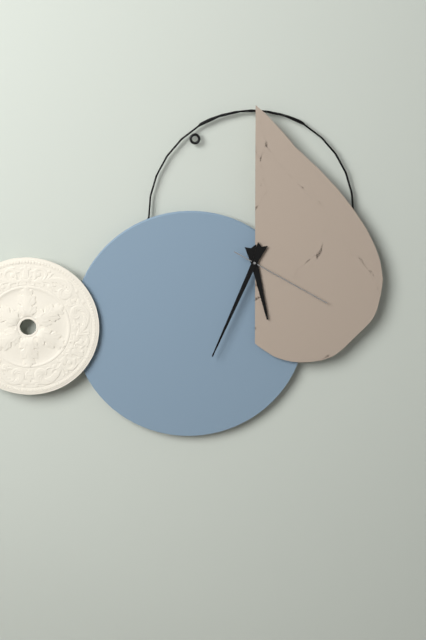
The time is {"hour": 5, "minute": 34, "second": 20}
